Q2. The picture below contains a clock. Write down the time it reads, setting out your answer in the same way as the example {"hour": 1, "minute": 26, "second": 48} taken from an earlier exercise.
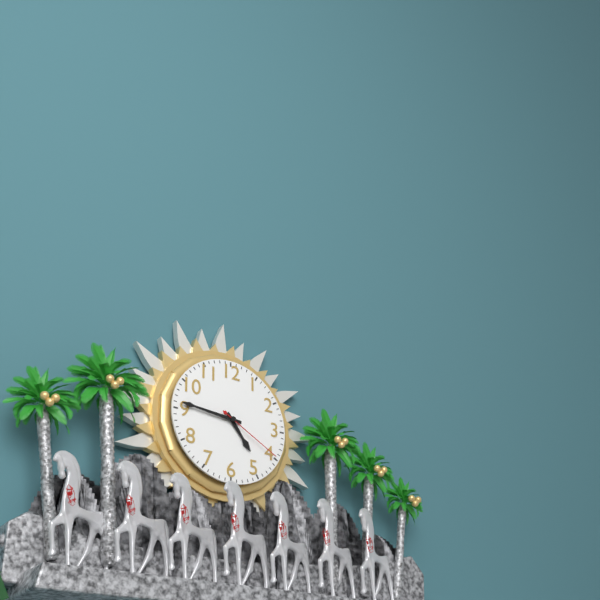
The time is {"hour": 4, "minute": 46, "second": 20}
